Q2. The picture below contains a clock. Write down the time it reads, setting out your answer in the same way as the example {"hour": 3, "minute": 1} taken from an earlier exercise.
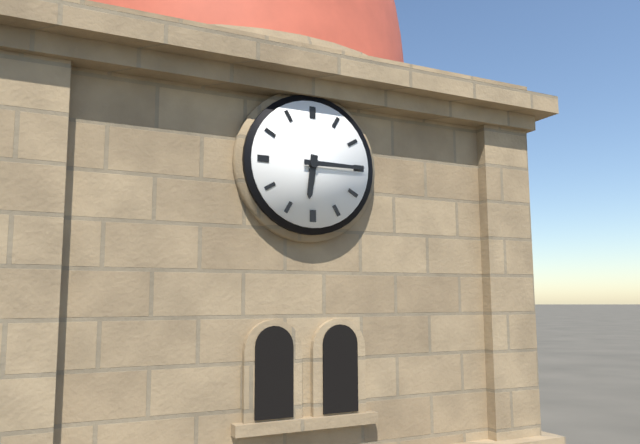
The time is {"hour": 6, "minute": 15}
